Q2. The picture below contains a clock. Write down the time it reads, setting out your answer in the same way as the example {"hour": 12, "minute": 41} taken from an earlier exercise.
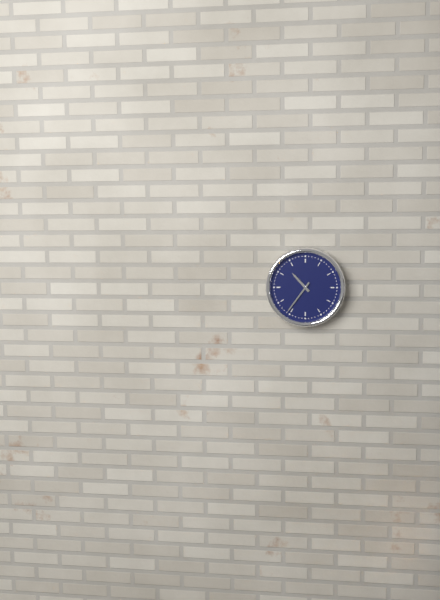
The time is {"hour": 10, "minute": 36}
